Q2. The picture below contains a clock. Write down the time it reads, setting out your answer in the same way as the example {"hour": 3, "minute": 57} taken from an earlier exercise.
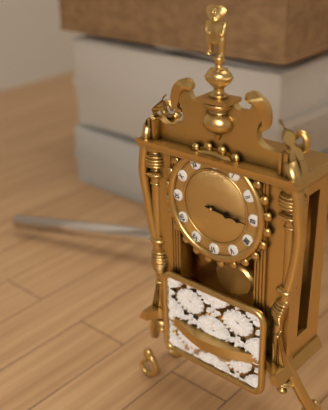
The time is {"hour": 3, "minute": 16}
